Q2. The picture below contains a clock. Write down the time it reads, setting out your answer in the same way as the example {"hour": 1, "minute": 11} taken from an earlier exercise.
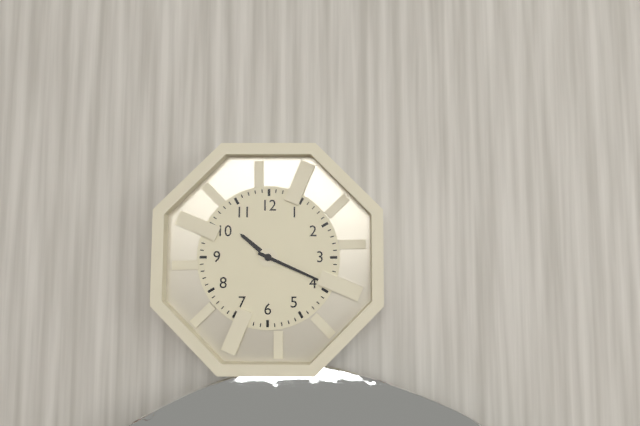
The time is {"hour": 10, "minute": 19}
